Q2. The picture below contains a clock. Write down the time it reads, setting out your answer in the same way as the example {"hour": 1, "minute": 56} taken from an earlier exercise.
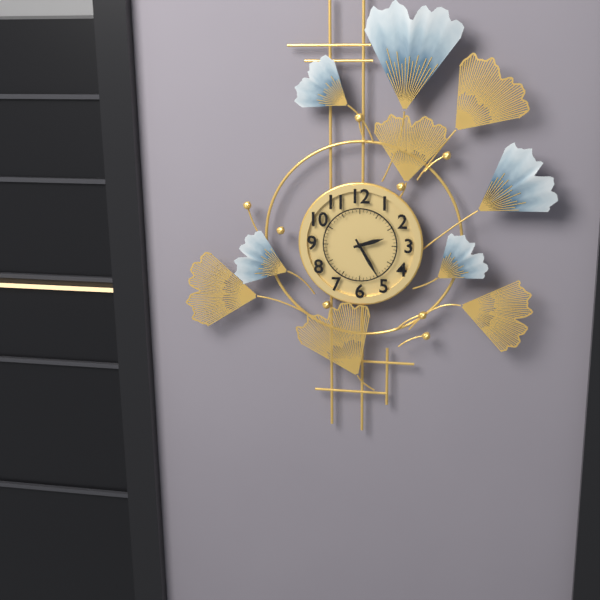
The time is {"hour": 2, "minute": 25}
